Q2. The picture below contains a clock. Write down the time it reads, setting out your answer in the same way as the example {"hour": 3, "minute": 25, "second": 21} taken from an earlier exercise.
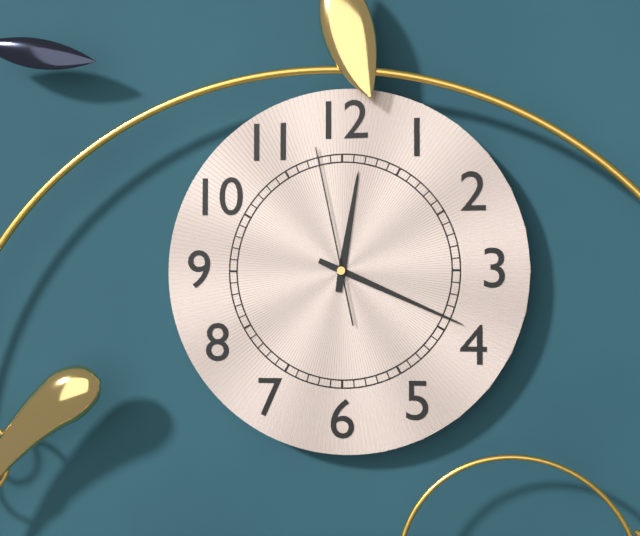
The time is {"hour": 12, "minute": 19, "second": 58}
